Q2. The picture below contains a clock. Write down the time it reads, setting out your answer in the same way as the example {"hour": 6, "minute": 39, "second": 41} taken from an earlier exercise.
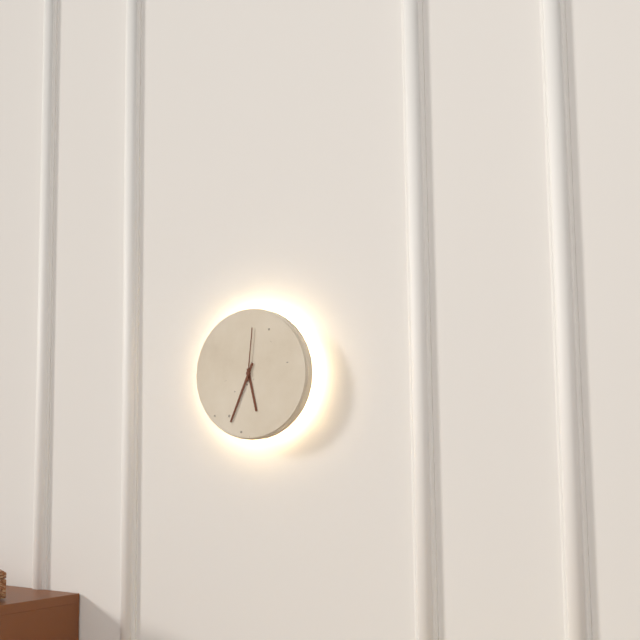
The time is {"hour": 5, "minute": 34, "second": 1}
